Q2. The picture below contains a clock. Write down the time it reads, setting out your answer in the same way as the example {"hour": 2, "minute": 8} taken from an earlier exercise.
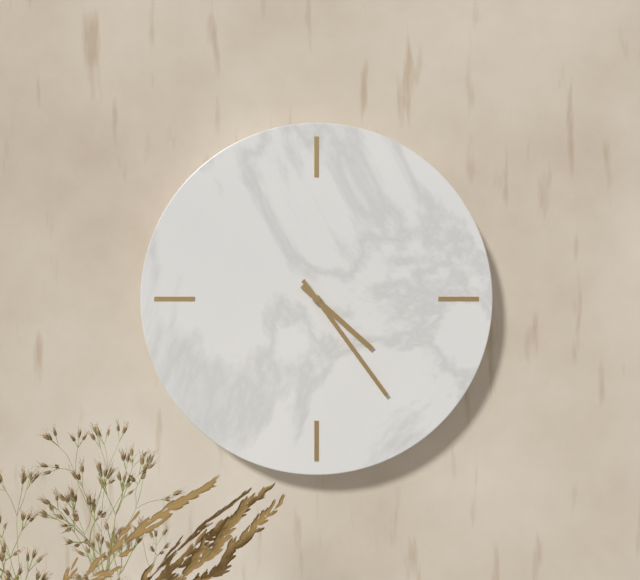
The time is {"hour": 4, "minute": 24}
